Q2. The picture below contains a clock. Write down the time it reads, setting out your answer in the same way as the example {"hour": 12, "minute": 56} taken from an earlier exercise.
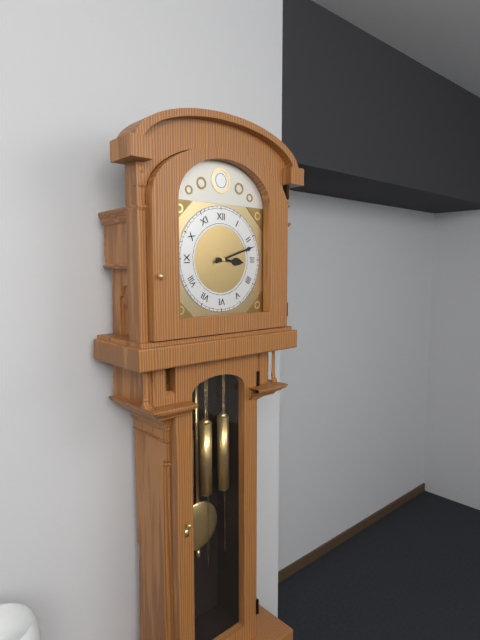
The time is {"hour": 3, "minute": 12}
